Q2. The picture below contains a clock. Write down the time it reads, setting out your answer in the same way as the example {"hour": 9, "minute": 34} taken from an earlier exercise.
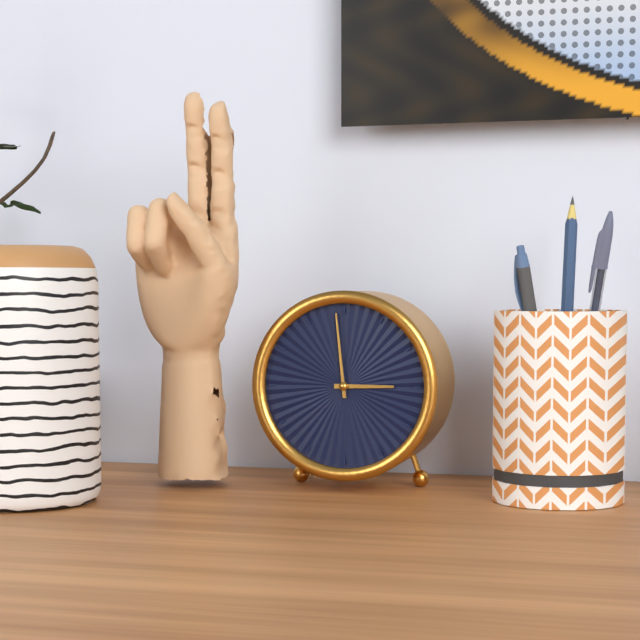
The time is {"hour": 2, "minute": 59}
